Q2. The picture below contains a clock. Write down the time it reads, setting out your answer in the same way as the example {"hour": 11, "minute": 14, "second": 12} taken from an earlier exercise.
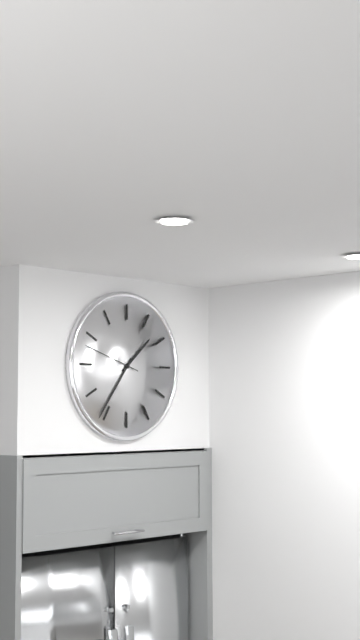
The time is {"hour": 1, "minute": 36, "second": 48}
